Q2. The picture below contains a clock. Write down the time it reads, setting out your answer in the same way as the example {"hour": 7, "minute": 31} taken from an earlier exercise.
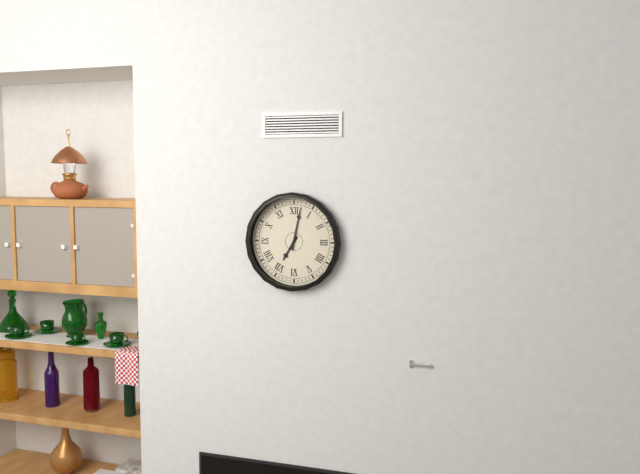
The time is {"hour": 7, "minute": 2}
